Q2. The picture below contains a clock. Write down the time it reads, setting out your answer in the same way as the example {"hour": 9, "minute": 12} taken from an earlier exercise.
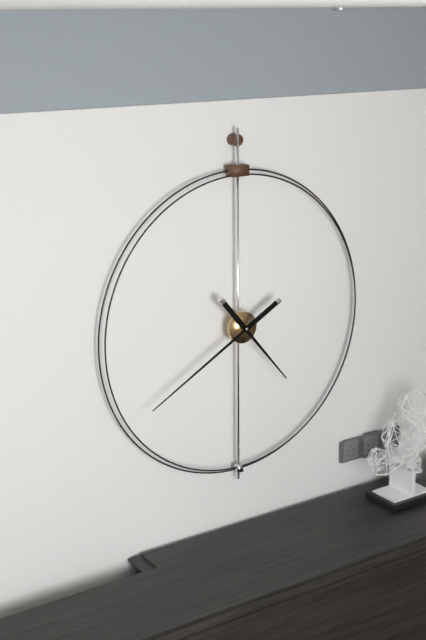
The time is {"hour": 4, "minute": 40}
